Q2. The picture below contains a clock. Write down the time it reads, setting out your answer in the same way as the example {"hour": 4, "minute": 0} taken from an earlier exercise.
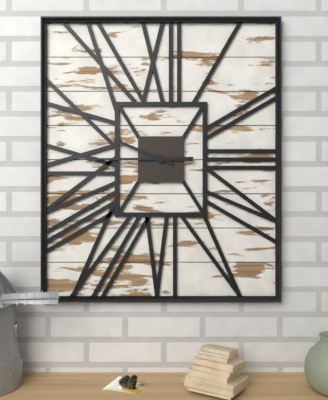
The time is {"hour": 9, "minute": 45}
